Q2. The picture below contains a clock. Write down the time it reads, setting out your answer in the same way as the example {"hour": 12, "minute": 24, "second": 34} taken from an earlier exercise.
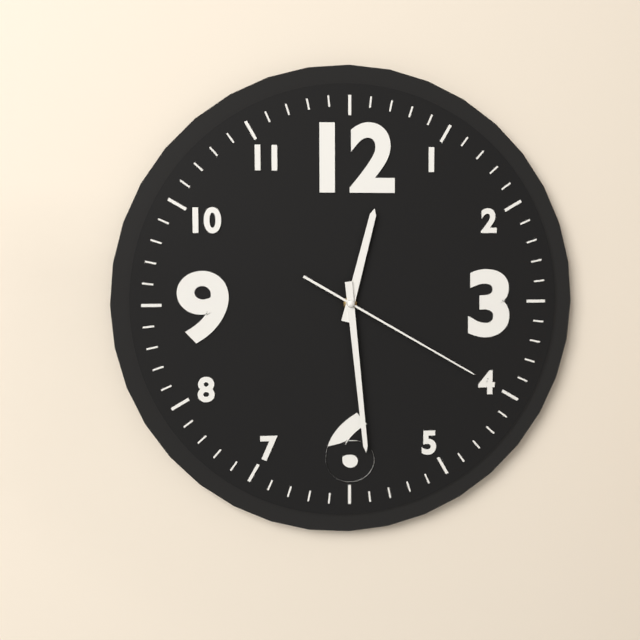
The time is {"hour": 12, "minute": 29, "second": 20}
